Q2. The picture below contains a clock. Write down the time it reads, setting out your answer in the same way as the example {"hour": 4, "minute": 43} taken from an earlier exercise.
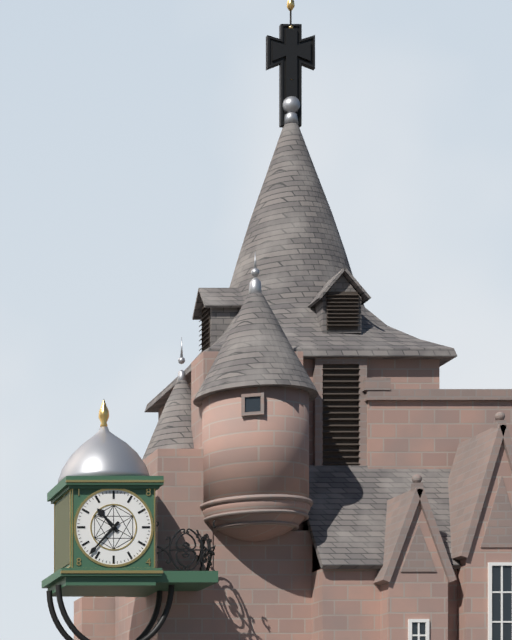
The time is {"hour": 10, "minute": 37}
